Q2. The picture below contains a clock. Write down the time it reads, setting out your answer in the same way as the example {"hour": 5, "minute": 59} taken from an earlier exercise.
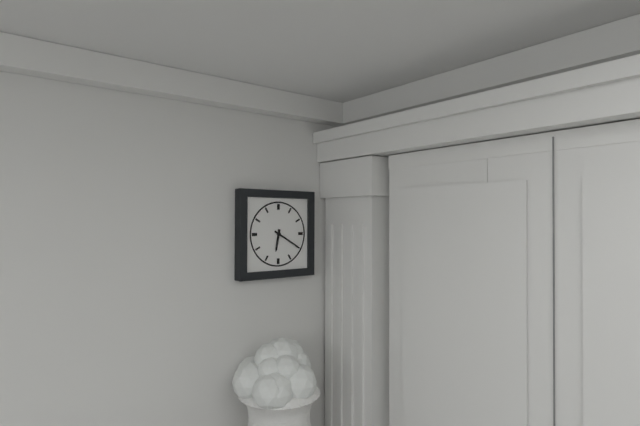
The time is {"hour": 6, "minute": 20}
